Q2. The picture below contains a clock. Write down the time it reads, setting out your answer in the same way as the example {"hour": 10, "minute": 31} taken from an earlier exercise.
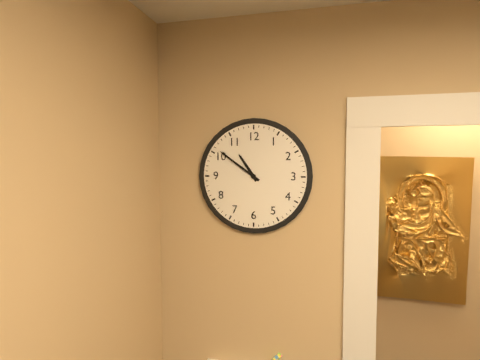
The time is {"hour": 10, "minute": 51}
